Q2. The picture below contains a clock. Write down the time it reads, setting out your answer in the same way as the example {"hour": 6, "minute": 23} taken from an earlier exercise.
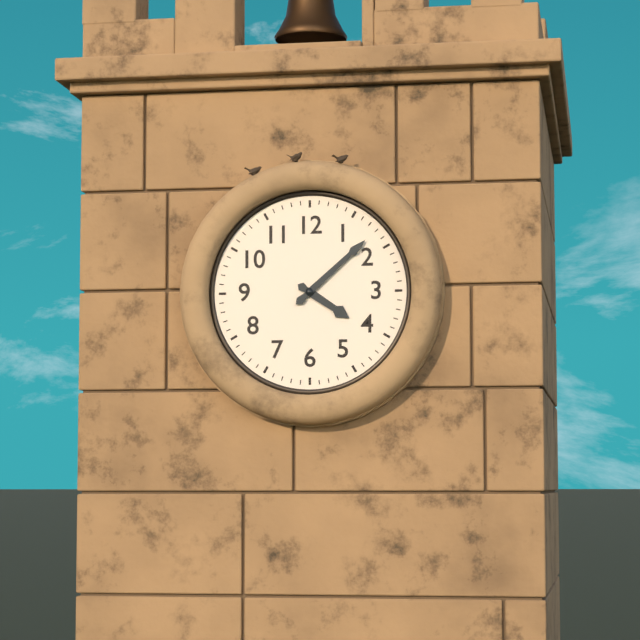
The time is {"hour": 4, "minute": 8}
